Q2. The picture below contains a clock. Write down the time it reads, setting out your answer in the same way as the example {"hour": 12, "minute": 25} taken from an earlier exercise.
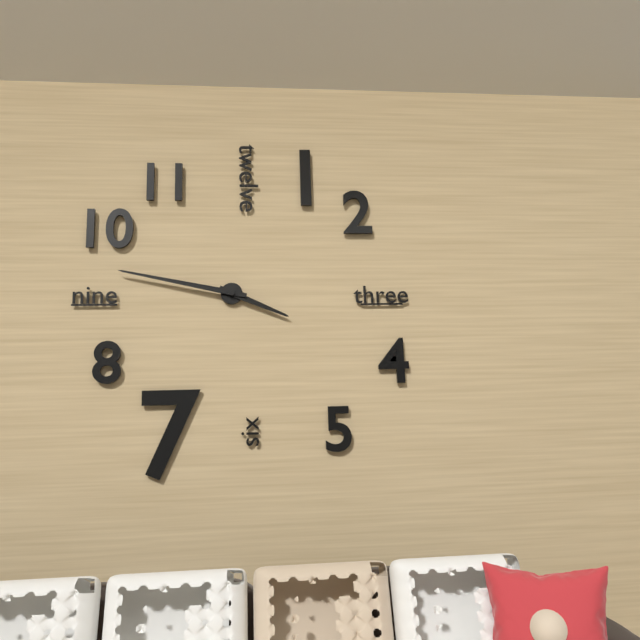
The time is {"hour": 3, "minute": 47}
